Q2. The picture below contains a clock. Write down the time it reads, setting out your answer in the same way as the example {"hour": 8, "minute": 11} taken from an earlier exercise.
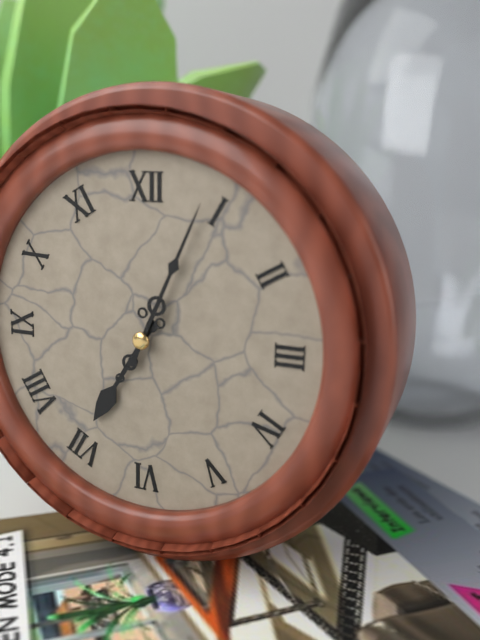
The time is {"hour": 7, "minute": 4}
